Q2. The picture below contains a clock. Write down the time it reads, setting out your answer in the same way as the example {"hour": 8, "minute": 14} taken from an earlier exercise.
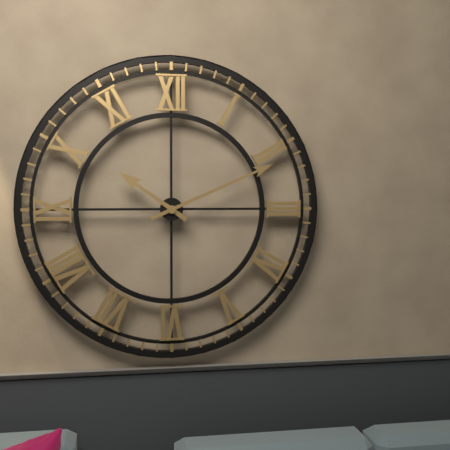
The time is {"hour": 10, "minute": 11}
